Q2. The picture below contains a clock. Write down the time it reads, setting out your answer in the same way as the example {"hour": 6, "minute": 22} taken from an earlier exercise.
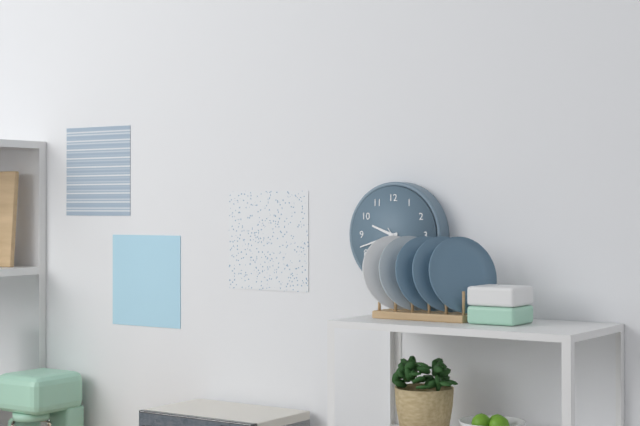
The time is {"hour": 9, "minute": 42}
